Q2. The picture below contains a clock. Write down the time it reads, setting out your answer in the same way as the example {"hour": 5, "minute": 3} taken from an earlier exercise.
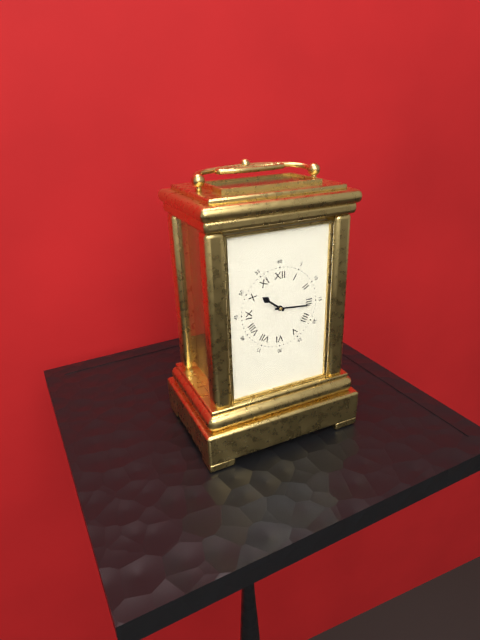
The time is {"hour": 10, "minute": 16}
